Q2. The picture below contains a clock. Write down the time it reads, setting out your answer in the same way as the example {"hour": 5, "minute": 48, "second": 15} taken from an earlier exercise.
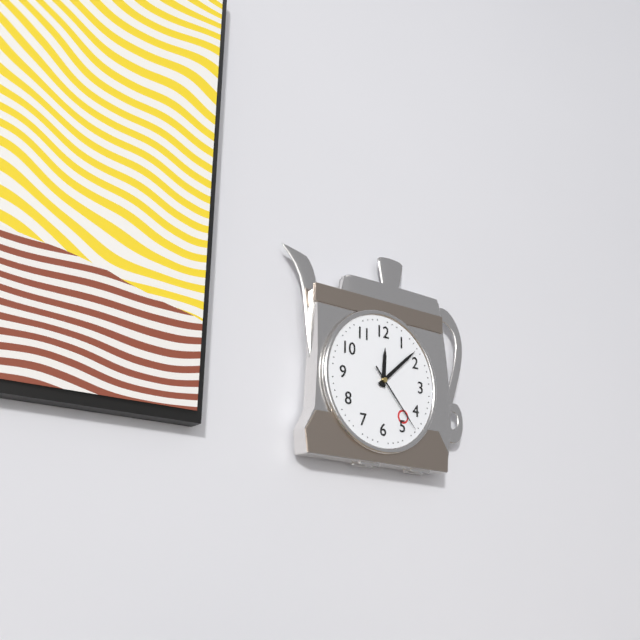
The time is {"hour": 12, "minute": 8, "second": 23}
